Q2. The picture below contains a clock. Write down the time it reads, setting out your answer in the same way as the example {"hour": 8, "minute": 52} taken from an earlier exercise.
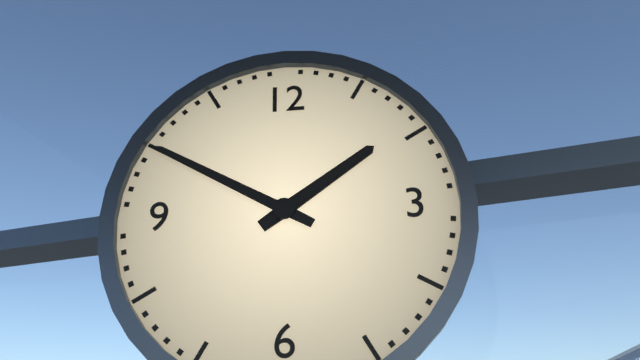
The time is {"hour": 1, "minute": 50}
